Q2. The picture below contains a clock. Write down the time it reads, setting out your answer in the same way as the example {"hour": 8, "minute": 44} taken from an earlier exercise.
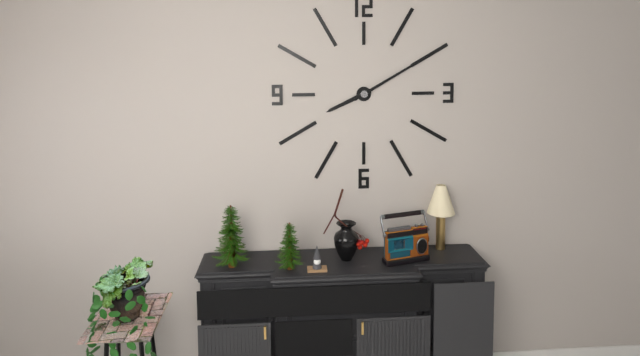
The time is {"hour": 8, "minute": 10}
